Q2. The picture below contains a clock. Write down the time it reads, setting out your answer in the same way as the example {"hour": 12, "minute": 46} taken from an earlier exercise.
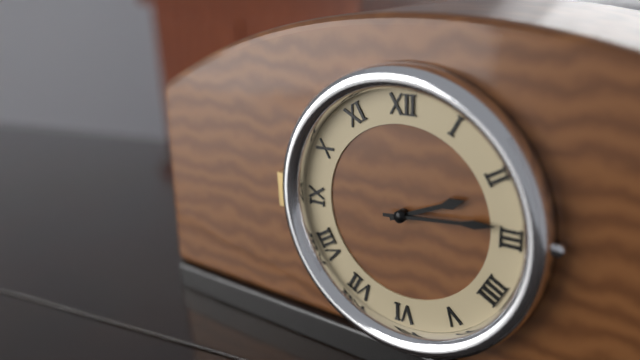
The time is {"hour": 2, "minute": 14}
